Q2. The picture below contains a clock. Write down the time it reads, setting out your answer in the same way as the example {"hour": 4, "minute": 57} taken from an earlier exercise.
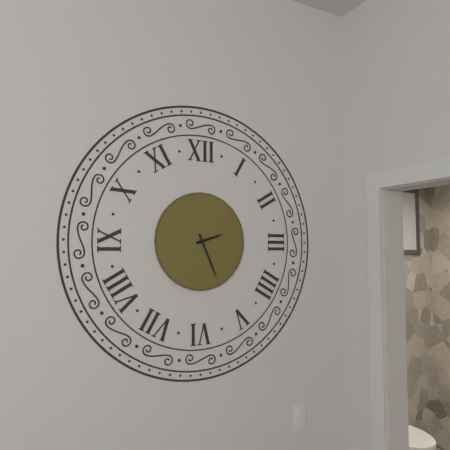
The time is {"hour": 2, "minute": 26}
